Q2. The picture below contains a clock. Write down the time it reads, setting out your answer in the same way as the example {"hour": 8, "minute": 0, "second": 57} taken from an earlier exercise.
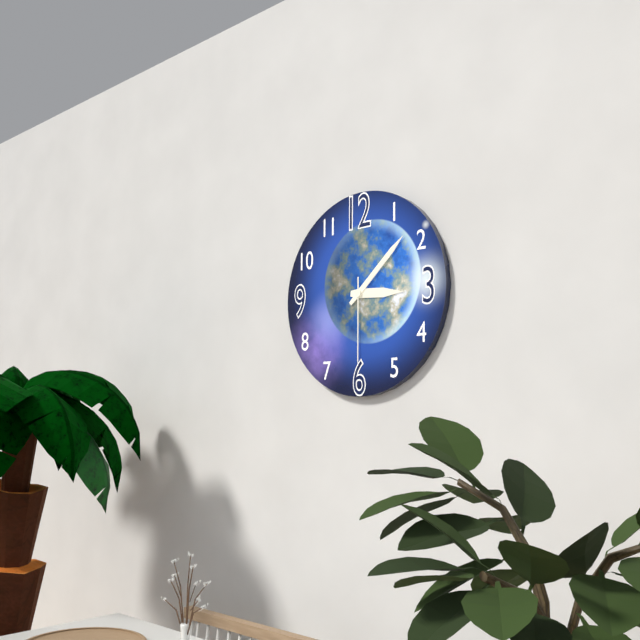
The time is {"hour": 3, "minute": 8, "second": 30}
